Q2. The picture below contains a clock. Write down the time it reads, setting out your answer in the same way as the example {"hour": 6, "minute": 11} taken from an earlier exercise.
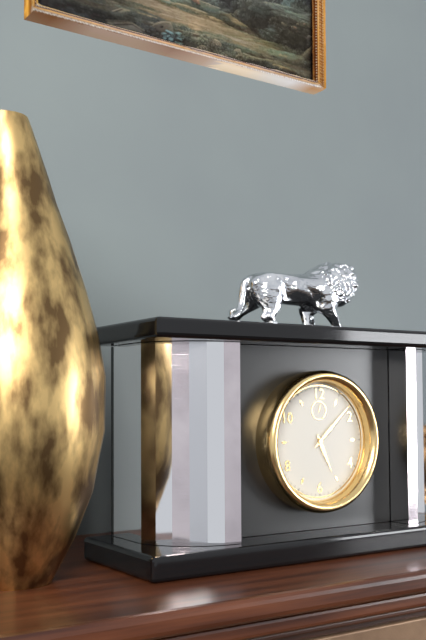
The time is {"hour": 5, "minute": 8}
